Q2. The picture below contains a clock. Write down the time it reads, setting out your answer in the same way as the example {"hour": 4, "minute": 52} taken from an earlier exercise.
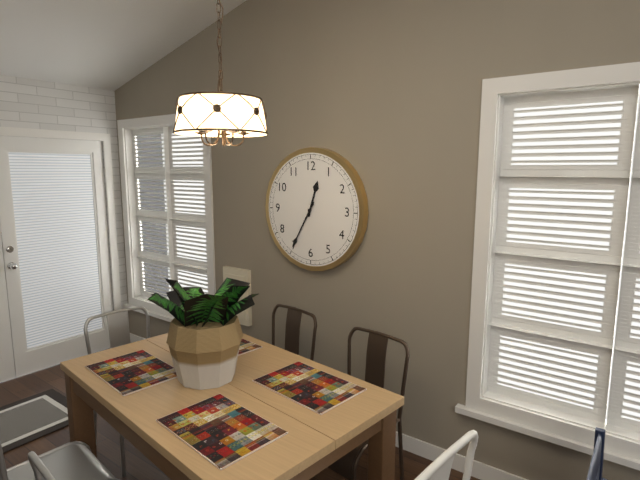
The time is {"hour": 12, "minute": 35}
